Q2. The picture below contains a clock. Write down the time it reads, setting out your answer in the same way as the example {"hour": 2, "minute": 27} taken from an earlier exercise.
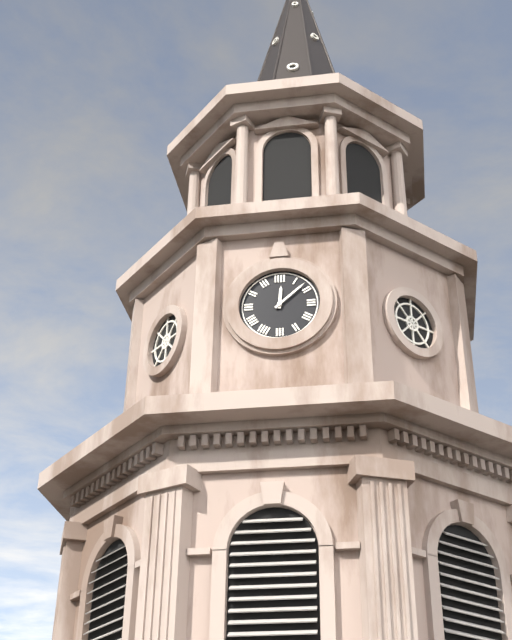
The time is {"hour": 12, "minute": 8}
